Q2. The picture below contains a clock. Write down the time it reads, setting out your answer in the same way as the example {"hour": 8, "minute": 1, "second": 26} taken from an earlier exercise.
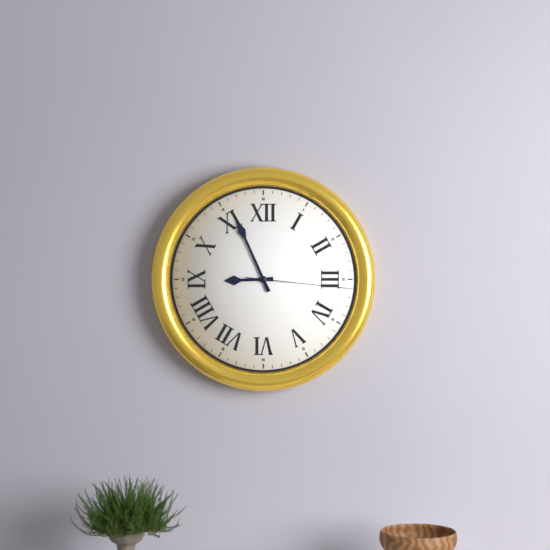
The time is {"hour": 8, "minute": 56, "second": 16}
